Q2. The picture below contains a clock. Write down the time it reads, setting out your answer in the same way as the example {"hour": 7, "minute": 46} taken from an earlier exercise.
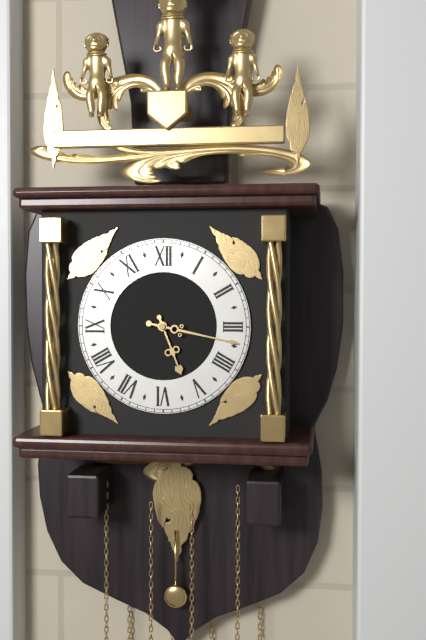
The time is {"hour": 5, "minute": 17}
